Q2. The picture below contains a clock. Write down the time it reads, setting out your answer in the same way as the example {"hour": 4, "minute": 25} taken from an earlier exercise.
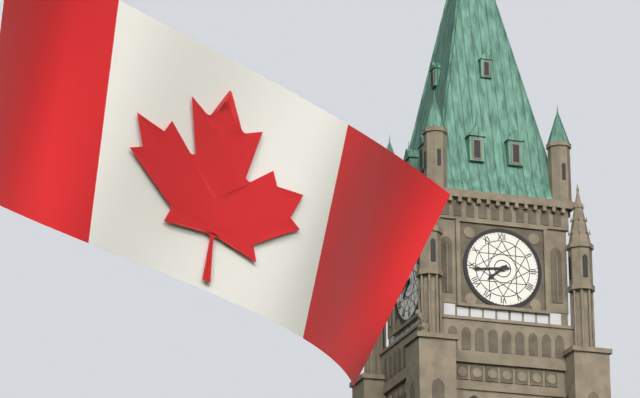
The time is {"hour": 7, "minute": 44}
